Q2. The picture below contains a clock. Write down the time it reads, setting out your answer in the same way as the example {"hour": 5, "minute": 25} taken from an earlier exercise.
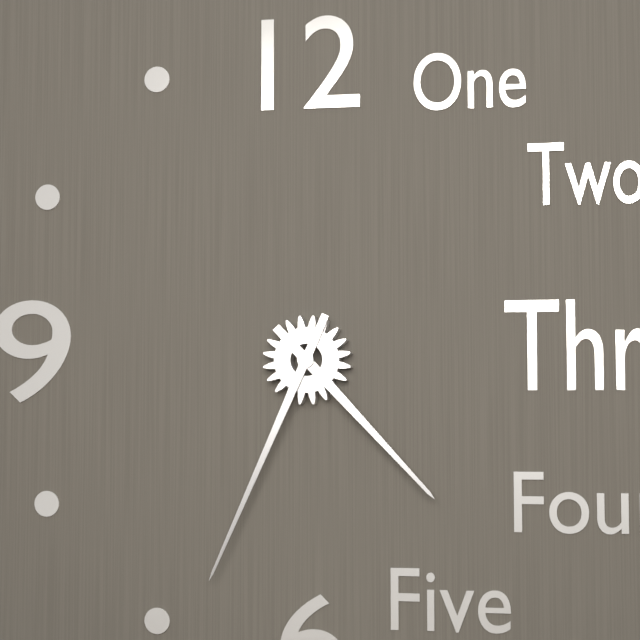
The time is {"hour": 4, "minute": 34}
